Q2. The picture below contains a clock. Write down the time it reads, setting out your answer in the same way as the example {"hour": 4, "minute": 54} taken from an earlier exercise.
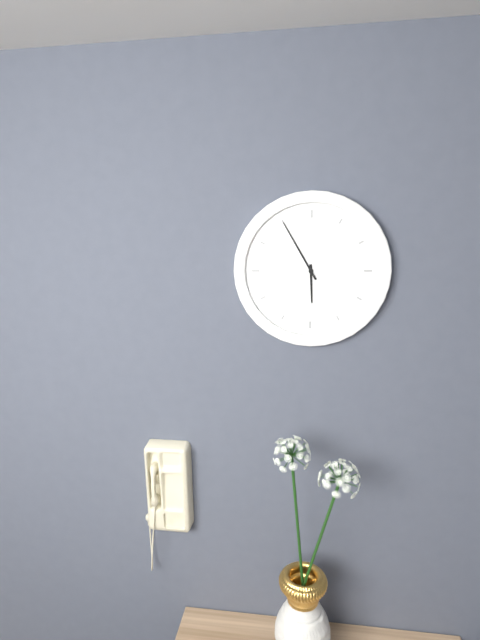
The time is {"hour": 5, "minute": 55}
